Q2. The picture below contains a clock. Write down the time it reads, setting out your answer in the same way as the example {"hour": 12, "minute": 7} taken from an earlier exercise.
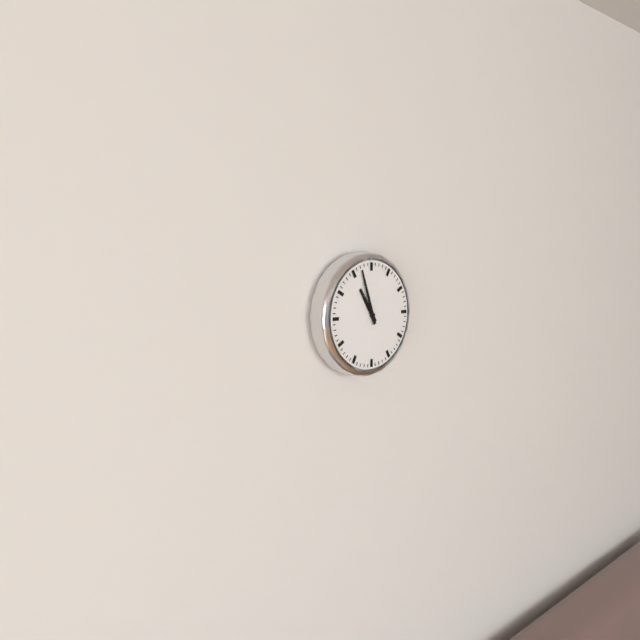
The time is {"hour": 10, "minute": 57}
